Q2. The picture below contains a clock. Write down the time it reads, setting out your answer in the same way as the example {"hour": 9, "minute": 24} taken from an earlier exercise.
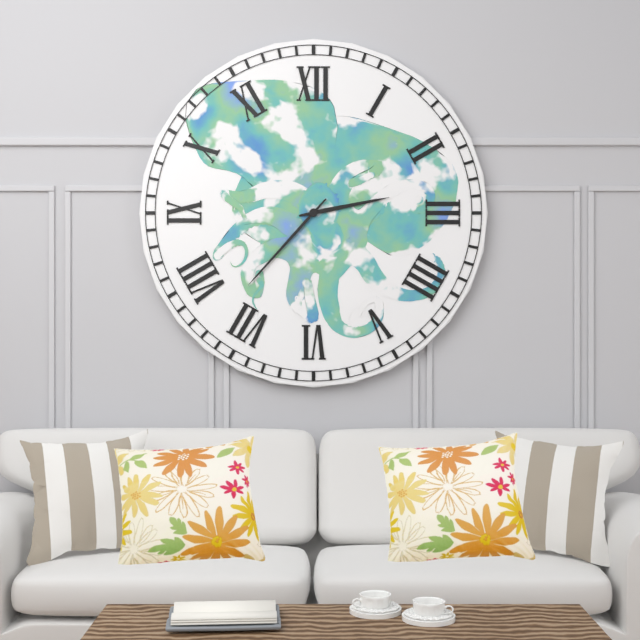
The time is {"hour": 2, "minute": 37}
